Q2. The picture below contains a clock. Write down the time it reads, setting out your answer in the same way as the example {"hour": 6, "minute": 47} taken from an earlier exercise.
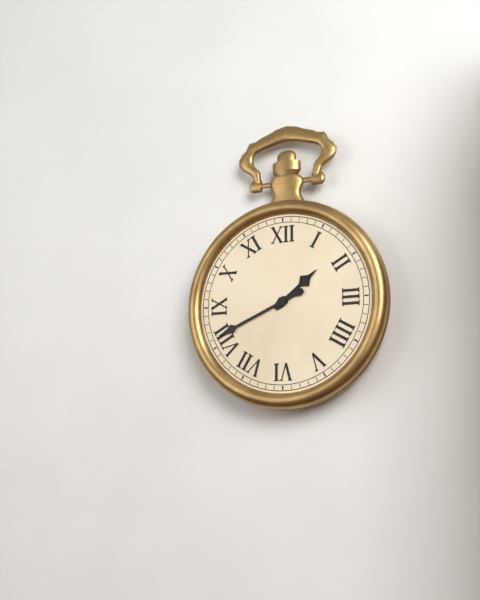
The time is {"hour": 1, "minute": 41}
